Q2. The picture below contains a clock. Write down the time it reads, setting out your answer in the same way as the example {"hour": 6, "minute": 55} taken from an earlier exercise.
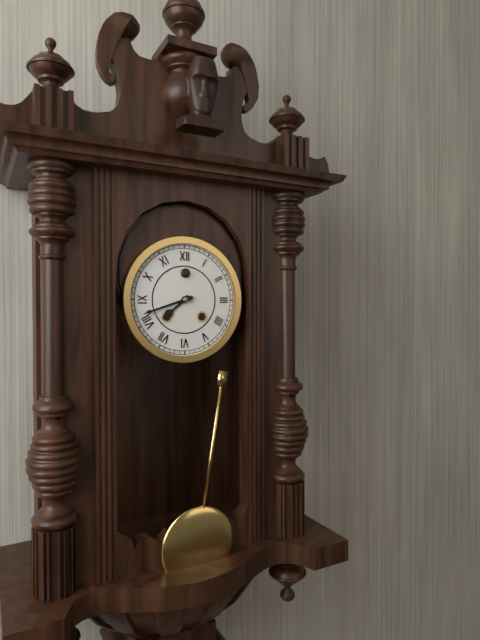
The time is {"hour": 7, "minute": 42}
